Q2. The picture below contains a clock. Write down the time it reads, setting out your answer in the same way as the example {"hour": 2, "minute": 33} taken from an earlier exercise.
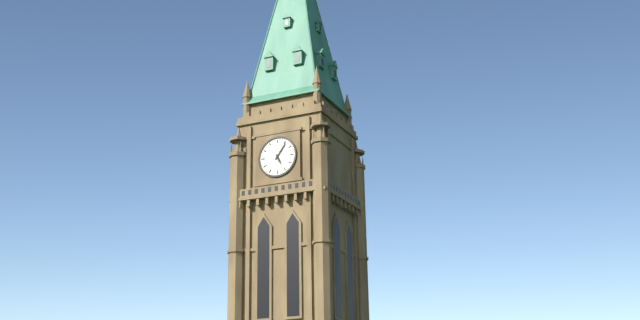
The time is {"hour": 5, "minute": 6}
